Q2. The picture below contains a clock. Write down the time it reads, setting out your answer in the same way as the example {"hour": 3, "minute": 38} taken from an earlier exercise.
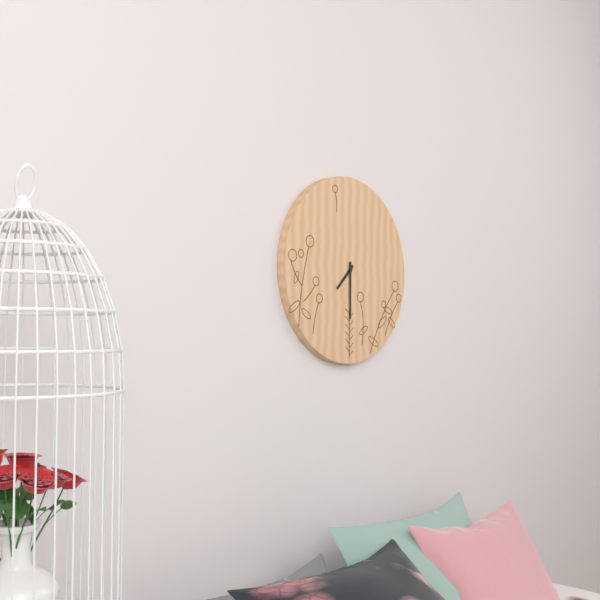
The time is {"hour": 7, "minute": 30}
